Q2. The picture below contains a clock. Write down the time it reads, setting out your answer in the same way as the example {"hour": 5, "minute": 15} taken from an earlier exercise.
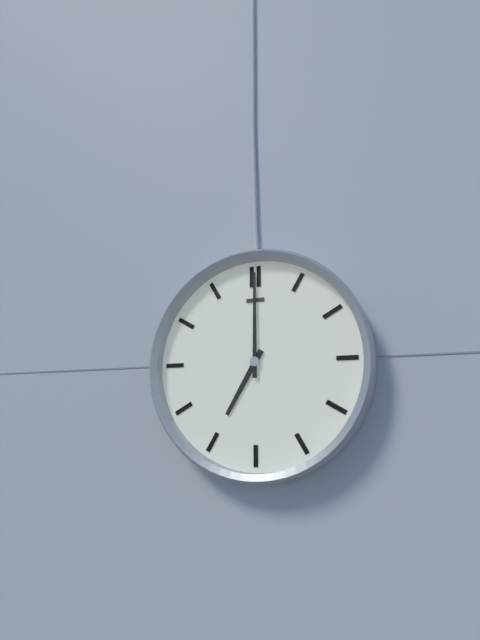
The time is {"hour": 7, "minute": 0}
